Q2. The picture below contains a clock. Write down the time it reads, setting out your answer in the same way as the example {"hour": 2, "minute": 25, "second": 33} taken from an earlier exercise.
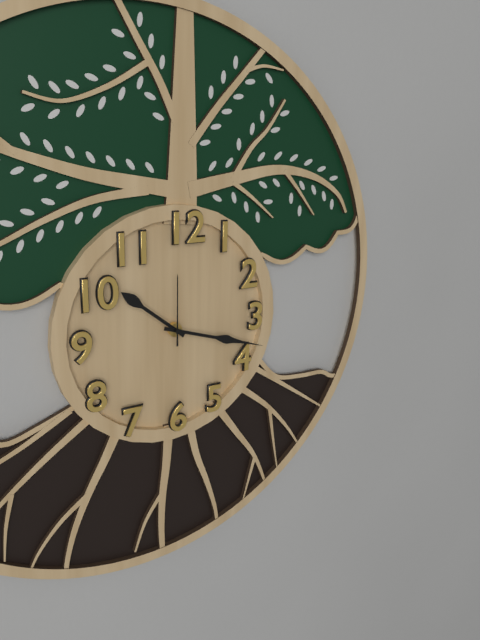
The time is {"hour": 10, "minute": 18, "second": 0}
